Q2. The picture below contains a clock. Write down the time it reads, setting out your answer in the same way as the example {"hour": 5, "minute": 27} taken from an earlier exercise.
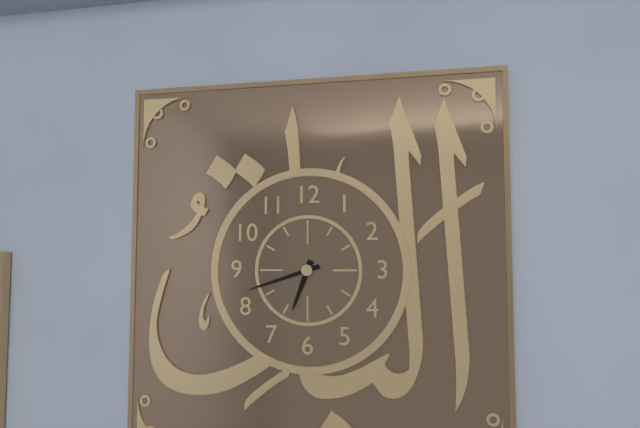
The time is {"hour": 6, "minute": 42}
